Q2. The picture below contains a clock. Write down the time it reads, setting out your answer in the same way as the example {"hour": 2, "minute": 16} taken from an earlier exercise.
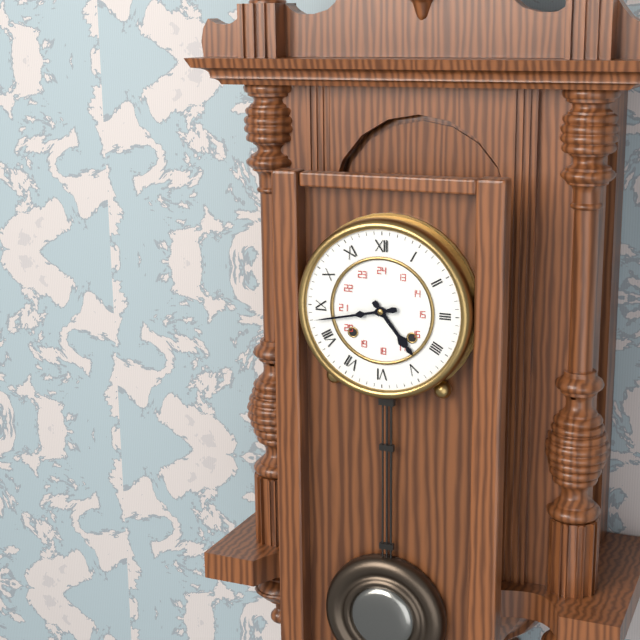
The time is {"hour": 4, "minute": 43}
